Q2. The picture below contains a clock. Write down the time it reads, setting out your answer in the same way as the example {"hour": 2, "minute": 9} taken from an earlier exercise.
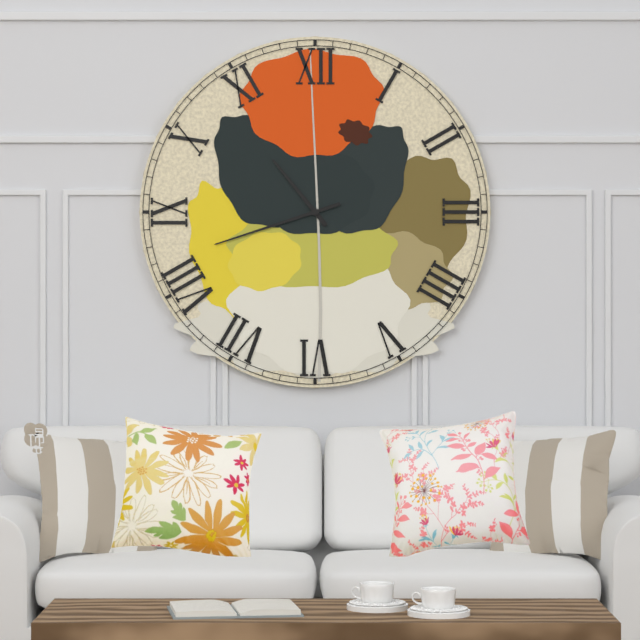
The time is {"hour": 10, "minute": 42}
